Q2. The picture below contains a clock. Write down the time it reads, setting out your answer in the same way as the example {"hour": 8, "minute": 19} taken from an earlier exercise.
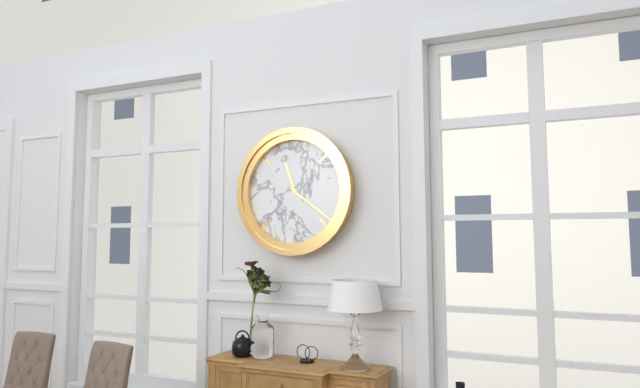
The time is {"hour": 11, "minute": 21}
